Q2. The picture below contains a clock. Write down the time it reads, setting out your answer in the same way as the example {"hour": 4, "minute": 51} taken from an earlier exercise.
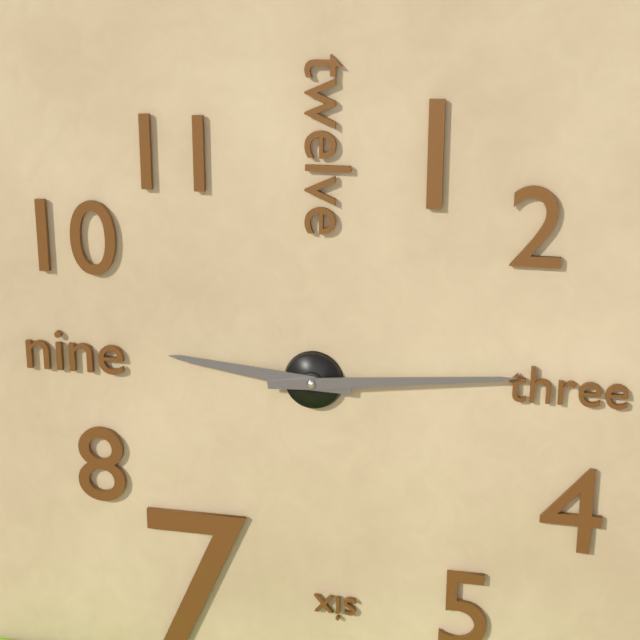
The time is {"hour": 9, "minute": 14}
